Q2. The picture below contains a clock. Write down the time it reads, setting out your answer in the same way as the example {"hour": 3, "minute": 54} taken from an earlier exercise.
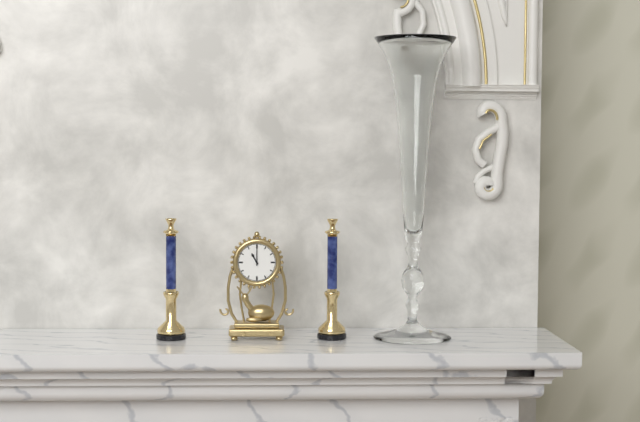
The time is {"hour": 11, "minute": 0}
